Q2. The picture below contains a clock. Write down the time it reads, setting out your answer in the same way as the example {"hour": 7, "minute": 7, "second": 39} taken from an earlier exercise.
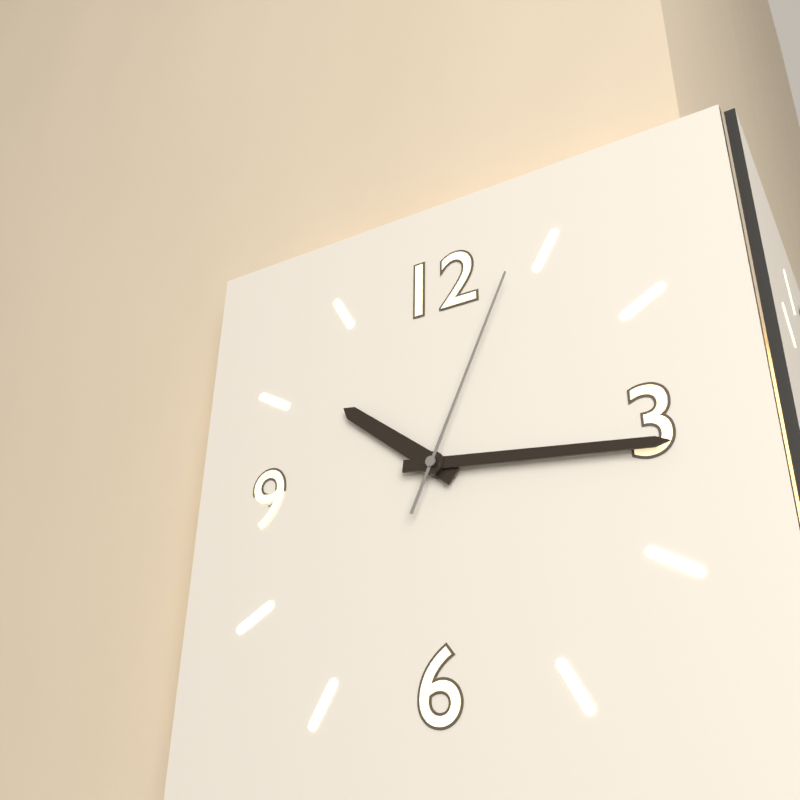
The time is {"hour": 10, "minute": 16, "second": 4}
